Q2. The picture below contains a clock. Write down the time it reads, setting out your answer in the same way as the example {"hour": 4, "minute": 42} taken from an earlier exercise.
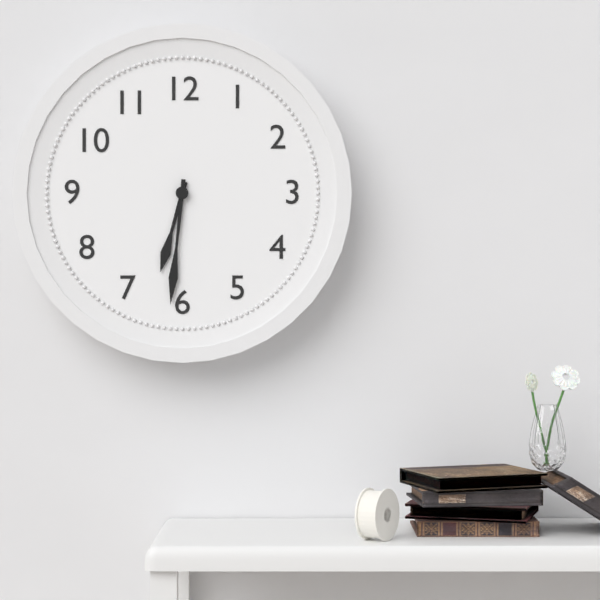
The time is {"hour": 6, "minute": 31}
